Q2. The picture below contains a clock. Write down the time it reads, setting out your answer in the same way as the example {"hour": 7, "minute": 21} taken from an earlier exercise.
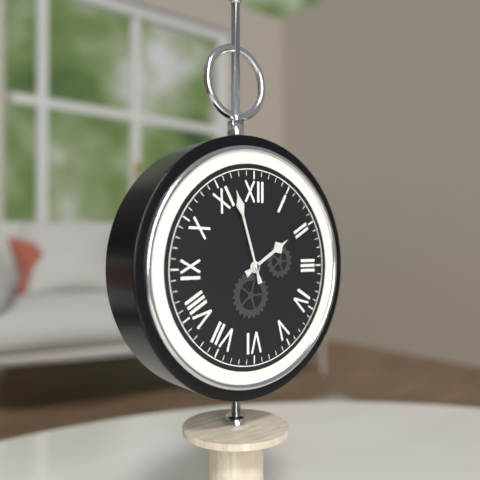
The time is {"hour": 1, "minute": 57}
